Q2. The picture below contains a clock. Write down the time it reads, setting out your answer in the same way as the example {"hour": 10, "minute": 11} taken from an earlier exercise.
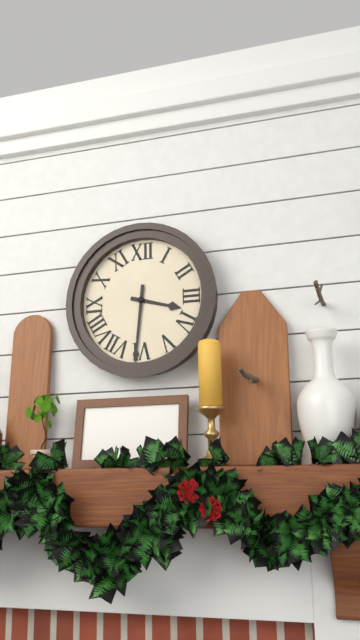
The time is {"hour": 3, "minute": 31}
